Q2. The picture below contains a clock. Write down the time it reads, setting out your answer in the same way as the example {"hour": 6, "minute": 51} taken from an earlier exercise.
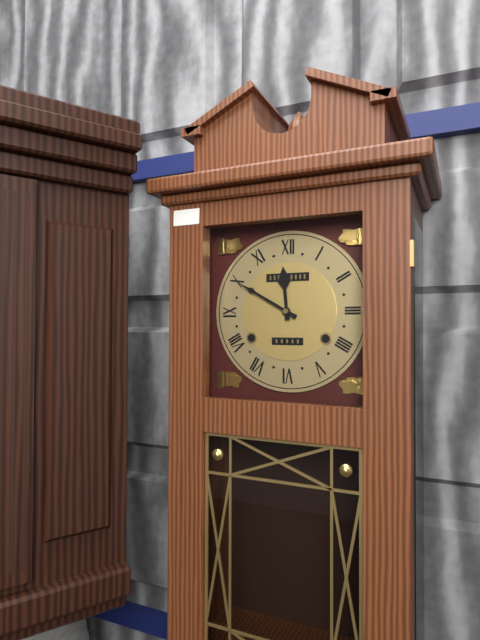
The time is {"hour": 11, "minute": 50}
